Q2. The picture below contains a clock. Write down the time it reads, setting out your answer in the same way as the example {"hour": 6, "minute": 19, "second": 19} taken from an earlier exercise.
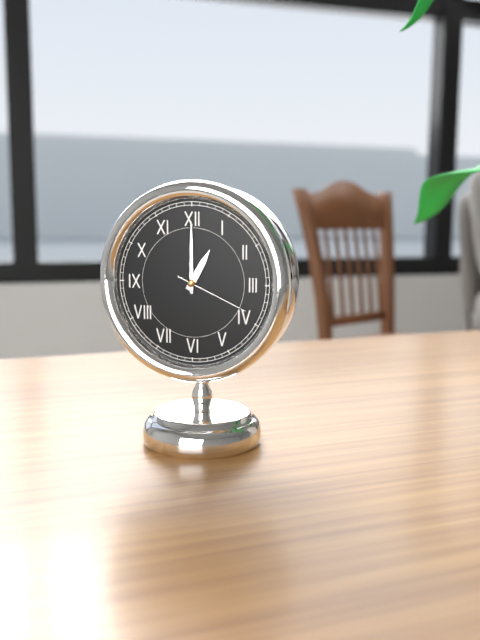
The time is {"hour": 1, "minute": 0, "second": 19}
